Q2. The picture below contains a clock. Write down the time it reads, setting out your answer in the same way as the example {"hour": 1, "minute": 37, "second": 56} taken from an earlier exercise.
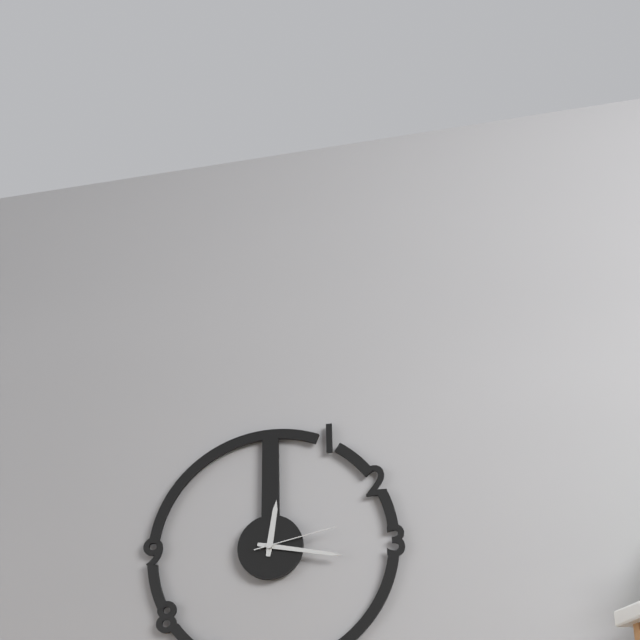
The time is {"hour": 12, "minute": 17, "second": 13}
